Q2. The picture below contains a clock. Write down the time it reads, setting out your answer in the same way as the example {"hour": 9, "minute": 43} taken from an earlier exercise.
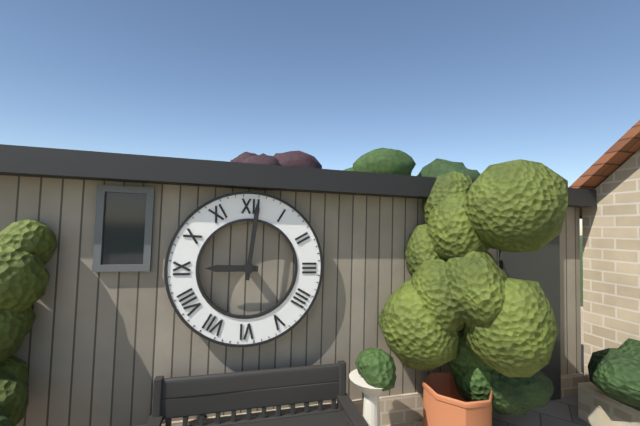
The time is {"hour": 9, "minute": 1}
